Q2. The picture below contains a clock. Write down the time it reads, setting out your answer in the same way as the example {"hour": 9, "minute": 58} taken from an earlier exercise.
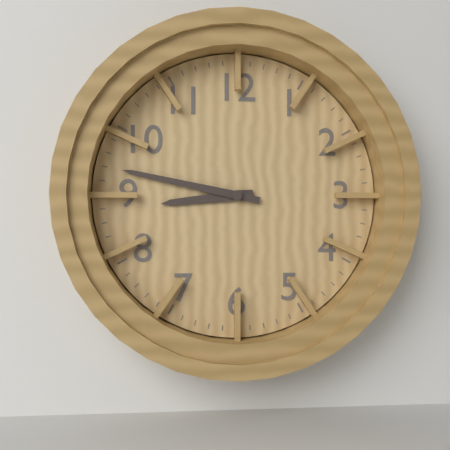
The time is {"hour": 8, "minute": 47}
